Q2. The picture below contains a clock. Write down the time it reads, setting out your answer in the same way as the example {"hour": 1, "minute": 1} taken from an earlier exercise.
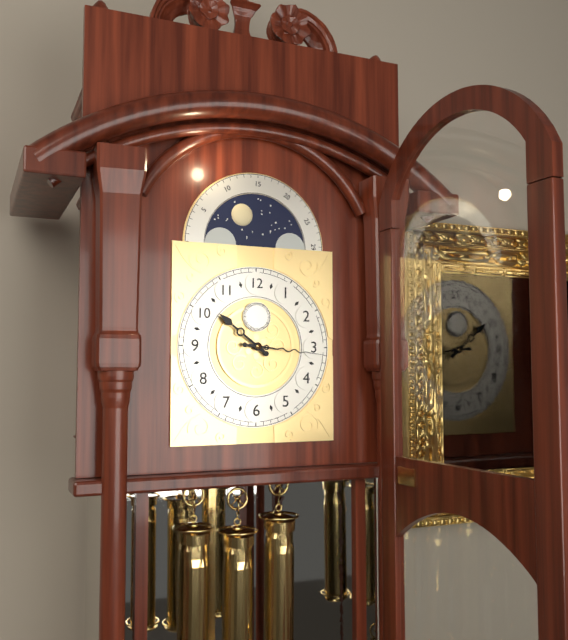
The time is {"hour": 10, "minute": 16}
